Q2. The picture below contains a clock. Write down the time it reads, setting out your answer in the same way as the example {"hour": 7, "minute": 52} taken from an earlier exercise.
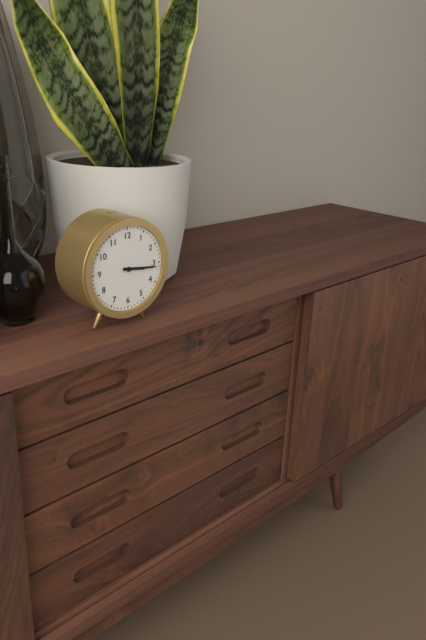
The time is {"hour": 3, "minute": 16}
